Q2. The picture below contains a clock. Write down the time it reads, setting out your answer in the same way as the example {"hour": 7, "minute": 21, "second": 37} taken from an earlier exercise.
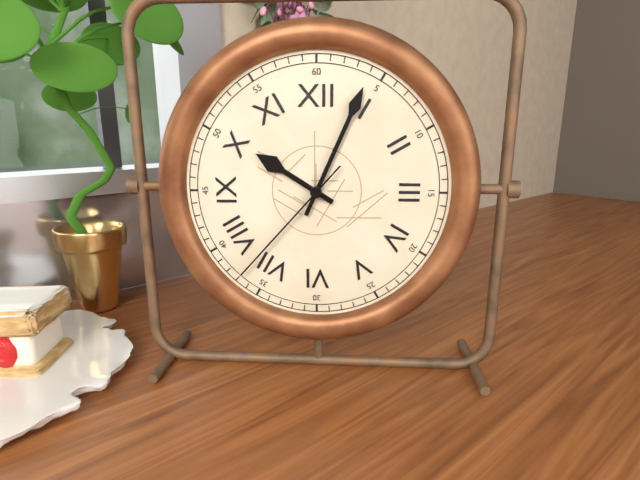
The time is {"hour": 10, "minute": 4, "second": 37}
